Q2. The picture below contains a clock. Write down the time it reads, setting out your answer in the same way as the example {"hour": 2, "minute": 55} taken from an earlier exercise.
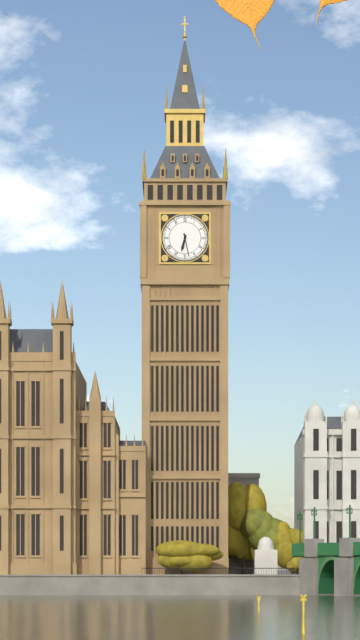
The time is {"hour": 6, "minute": 28}
